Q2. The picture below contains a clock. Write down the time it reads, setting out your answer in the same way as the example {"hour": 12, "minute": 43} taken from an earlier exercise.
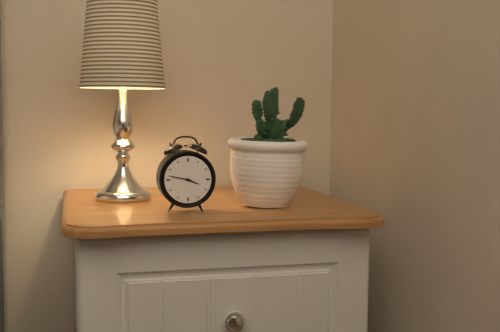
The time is {"hour": 3, "minute": 47}
